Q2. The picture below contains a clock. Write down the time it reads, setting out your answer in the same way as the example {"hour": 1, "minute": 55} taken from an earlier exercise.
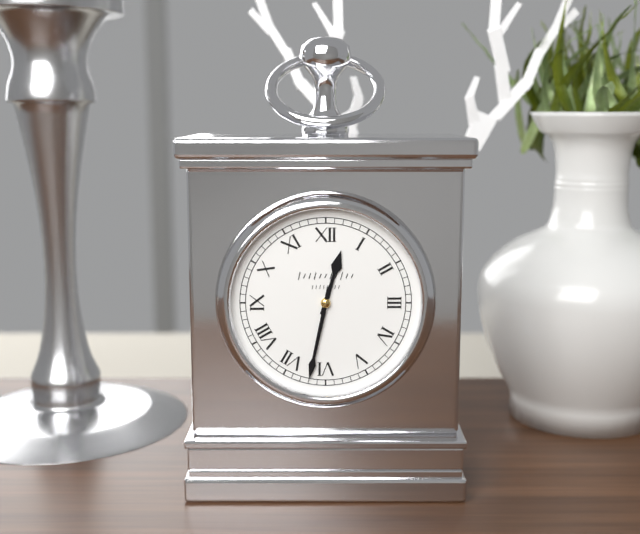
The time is {"hour": 12, "minute": 32}
